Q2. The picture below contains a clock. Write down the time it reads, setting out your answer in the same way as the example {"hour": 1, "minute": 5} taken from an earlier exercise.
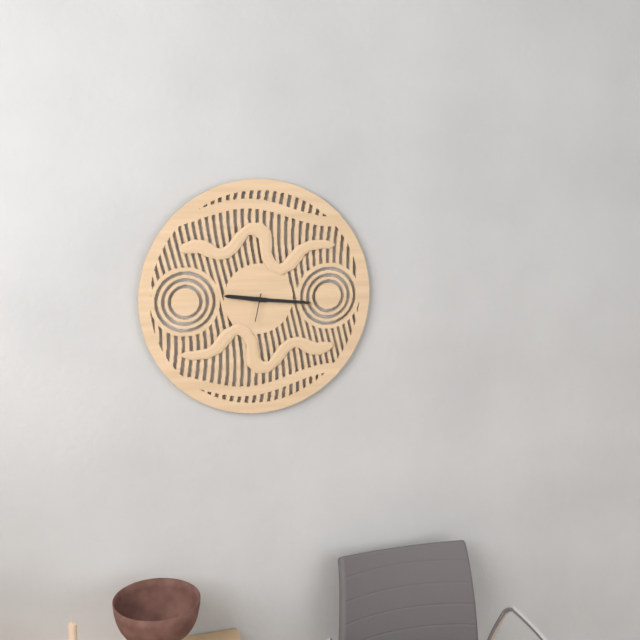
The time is {"hour": 9, "minute": 16}
